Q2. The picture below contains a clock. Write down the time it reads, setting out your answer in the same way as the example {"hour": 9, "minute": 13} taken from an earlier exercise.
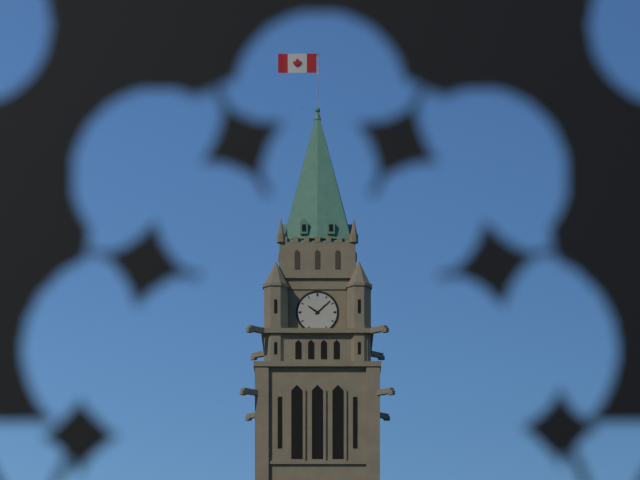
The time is {"hour": 10, "minute": 8}
